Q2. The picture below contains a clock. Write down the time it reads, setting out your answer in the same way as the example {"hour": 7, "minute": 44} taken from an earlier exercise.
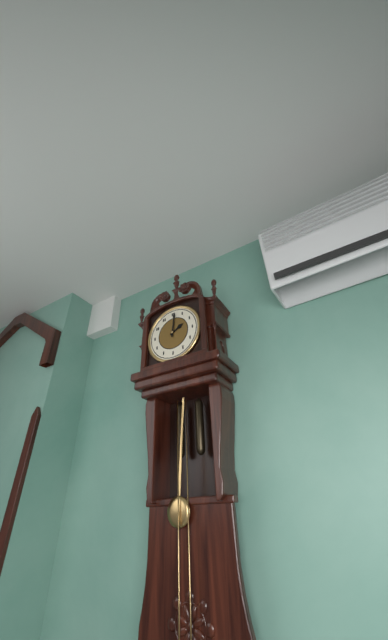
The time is {"hour": 2, "minute": 1}
